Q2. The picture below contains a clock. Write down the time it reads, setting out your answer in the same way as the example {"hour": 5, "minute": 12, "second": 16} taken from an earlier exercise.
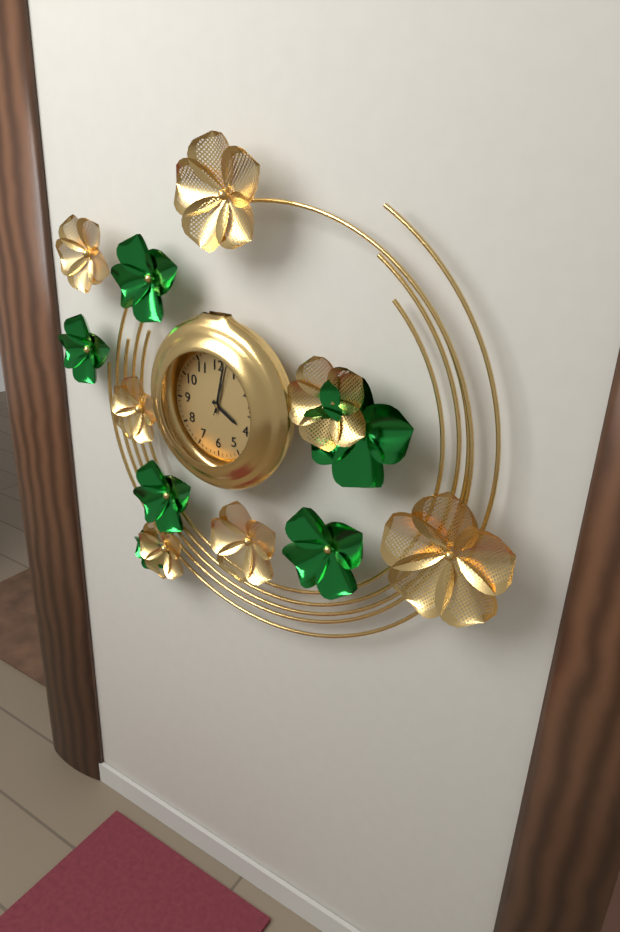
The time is {"hour": 4, "minute": 2, "second": 3}
